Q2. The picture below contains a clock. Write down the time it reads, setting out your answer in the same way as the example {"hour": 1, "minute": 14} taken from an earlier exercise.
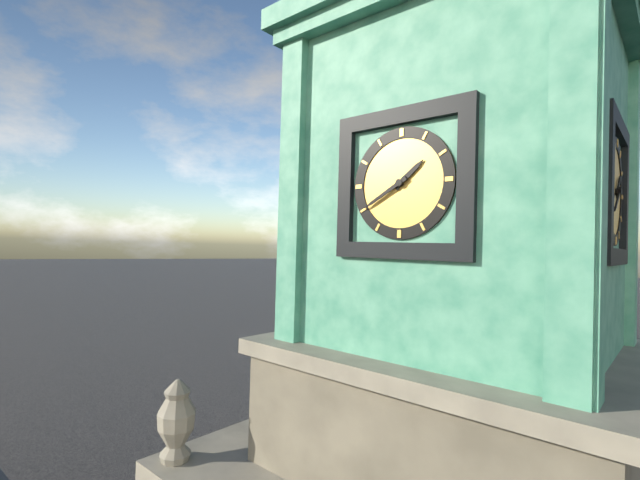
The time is {"hour": 1, "minute": 40}
